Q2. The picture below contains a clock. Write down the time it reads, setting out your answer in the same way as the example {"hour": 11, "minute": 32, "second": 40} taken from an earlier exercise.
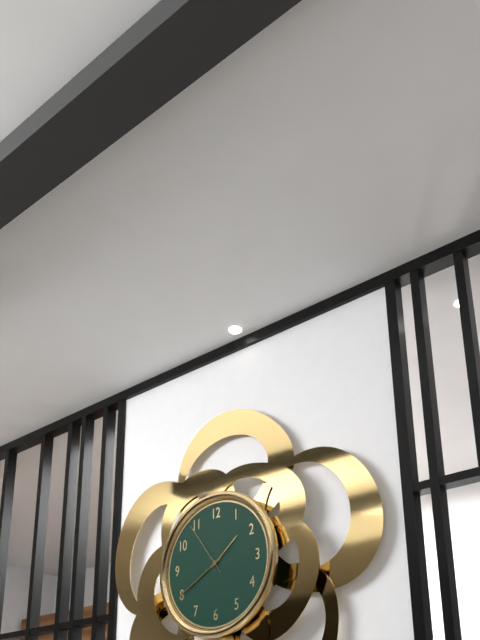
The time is {"hour": 1, "minute": 40, "second": 54}
